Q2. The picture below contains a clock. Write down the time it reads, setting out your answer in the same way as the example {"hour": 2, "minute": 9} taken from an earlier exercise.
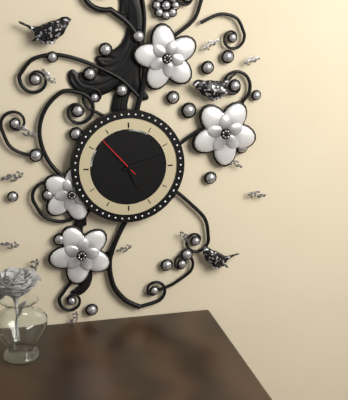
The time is {"hour": 5, "minute": 12}
